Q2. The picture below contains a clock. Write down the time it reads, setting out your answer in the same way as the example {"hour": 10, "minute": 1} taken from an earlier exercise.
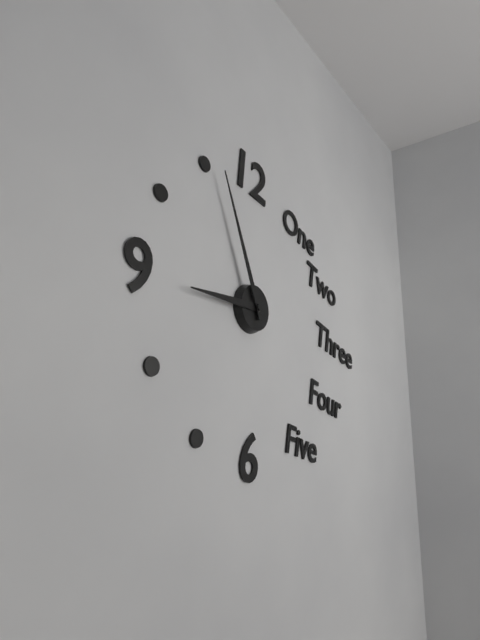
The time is {"hour": 8, "minute": 56}
